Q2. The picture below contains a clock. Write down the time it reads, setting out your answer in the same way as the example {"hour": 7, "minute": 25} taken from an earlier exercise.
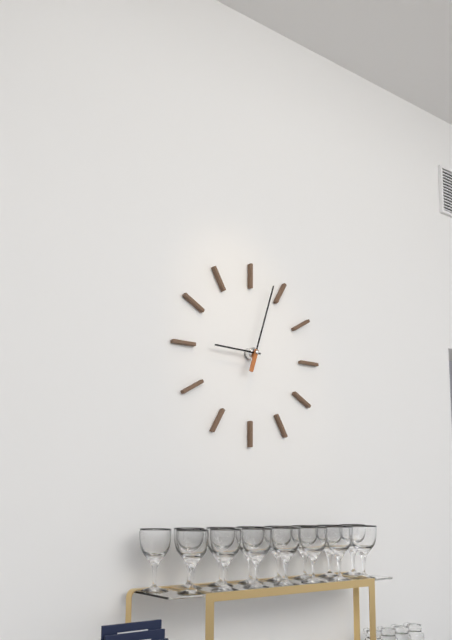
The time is {"hour": 9, "minute": 3}
